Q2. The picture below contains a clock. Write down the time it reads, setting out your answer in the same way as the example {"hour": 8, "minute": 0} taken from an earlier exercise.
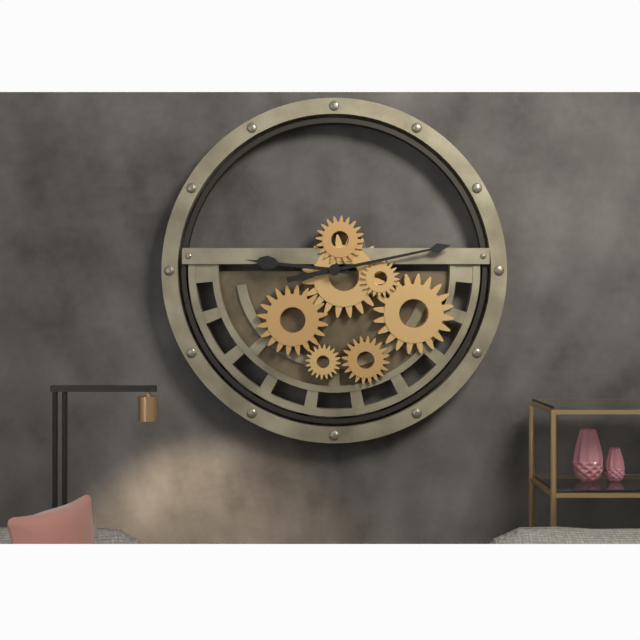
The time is {"hour": 9, "minute": 13}
